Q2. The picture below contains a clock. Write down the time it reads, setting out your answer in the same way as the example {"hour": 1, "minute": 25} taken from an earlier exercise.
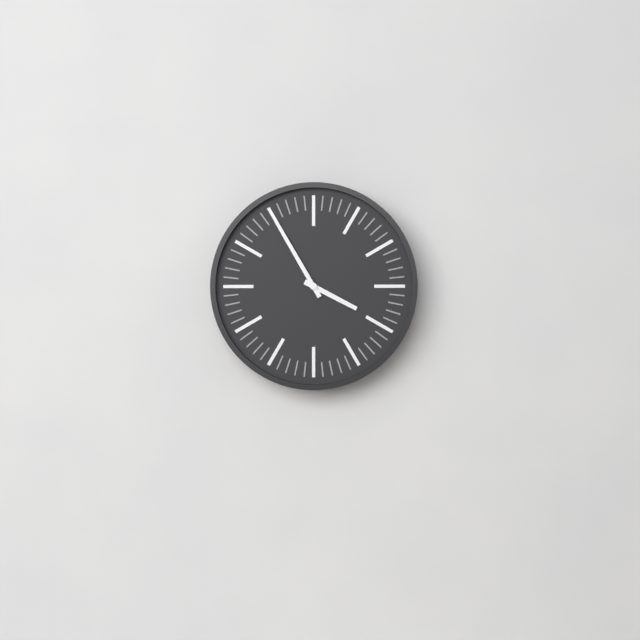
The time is {"hour": 3, "minute": 55}
